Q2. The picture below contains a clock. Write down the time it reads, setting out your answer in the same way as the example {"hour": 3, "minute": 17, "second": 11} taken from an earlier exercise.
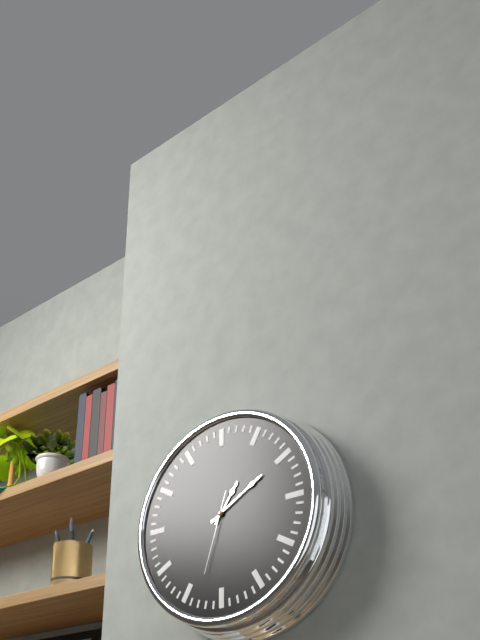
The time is {"hour": 1, "minute": 10, "second": 33}
